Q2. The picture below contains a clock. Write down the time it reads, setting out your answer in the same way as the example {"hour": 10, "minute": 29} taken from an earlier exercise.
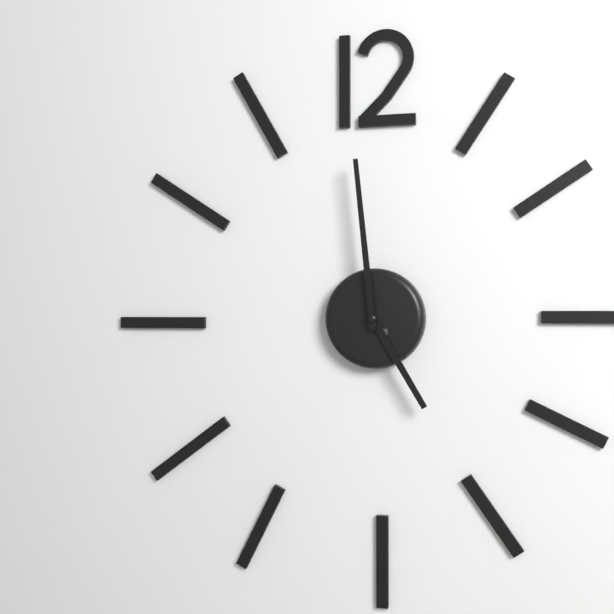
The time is {"hour": 4, "minute": 59}
